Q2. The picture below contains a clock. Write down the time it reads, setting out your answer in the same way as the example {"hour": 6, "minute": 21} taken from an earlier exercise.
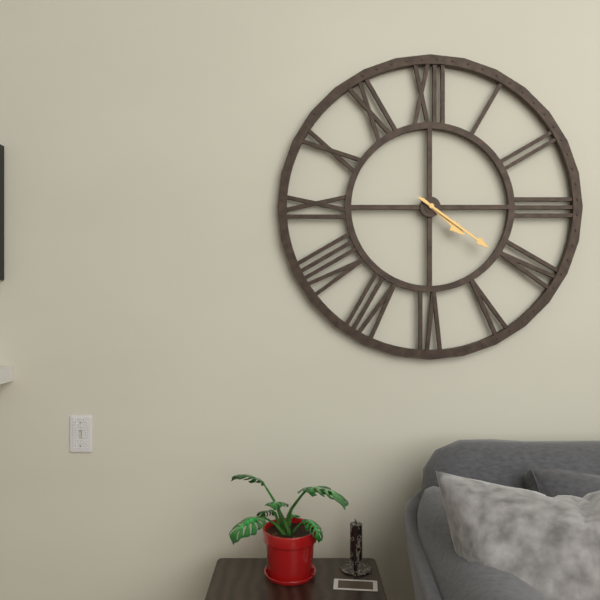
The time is {"hour": 4, "minute": 21}
